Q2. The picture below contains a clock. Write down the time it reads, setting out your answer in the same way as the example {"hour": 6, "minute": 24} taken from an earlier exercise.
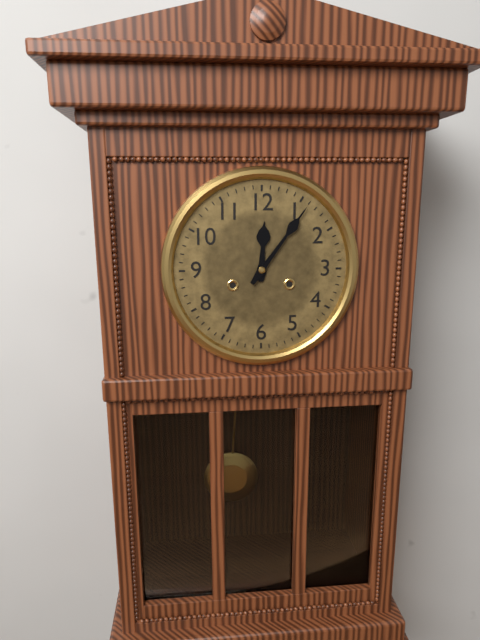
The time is {"hour": 12, "minute": 6}
